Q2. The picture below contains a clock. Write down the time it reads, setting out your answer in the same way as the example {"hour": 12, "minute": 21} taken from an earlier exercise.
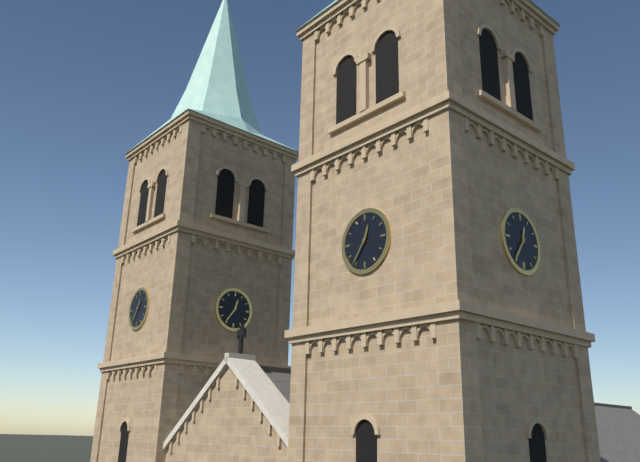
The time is {"hour": 12, "minute": 36}
